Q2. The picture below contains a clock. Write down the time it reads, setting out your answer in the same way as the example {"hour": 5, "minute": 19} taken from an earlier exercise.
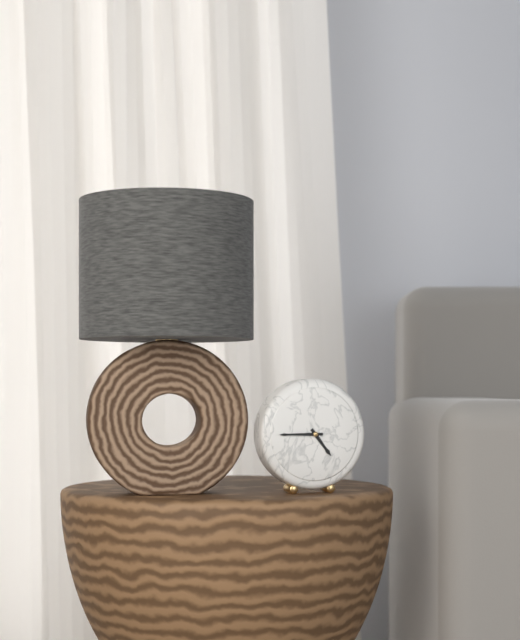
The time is {"hour": 4, "minute": 45}
